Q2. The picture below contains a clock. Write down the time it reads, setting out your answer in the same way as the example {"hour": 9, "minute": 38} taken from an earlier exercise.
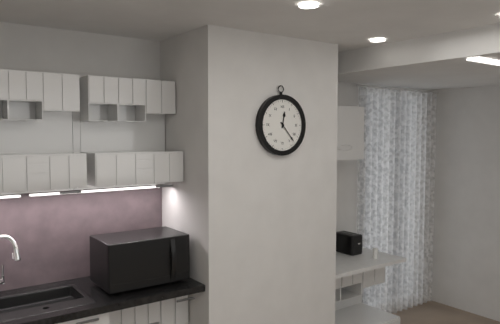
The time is {"hour": 12, "minute": 23}
